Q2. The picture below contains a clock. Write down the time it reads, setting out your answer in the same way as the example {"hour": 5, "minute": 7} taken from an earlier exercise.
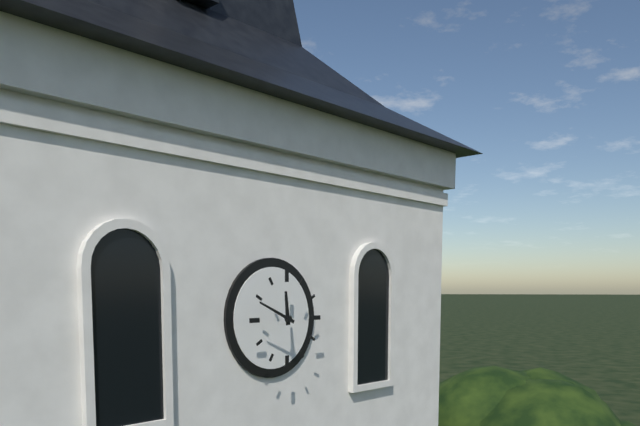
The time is {"hour": 11, "minute": 49}
